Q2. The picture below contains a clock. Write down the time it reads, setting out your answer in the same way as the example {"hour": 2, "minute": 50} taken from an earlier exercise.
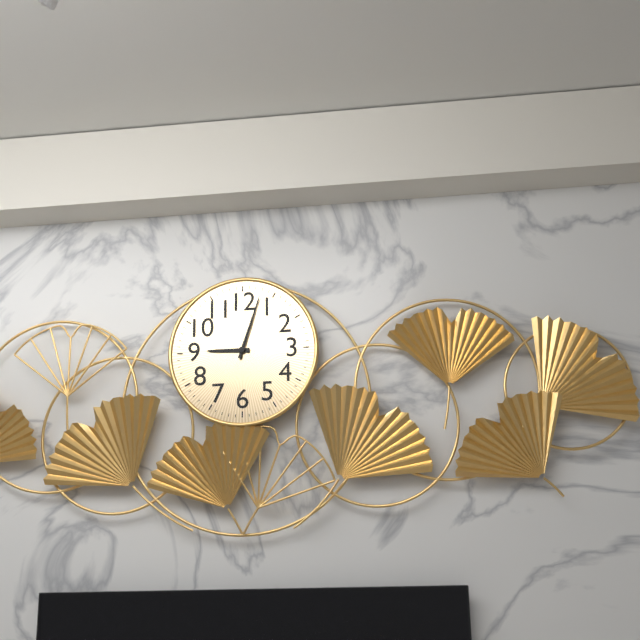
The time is {"hour": 9, "minute": 3}
